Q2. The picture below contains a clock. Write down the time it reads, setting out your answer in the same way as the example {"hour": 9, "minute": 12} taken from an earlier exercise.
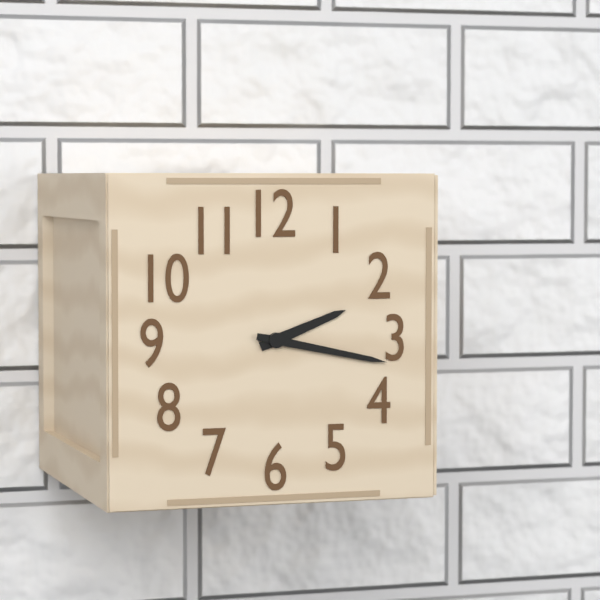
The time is {"hour": 2, "minute": 17}
